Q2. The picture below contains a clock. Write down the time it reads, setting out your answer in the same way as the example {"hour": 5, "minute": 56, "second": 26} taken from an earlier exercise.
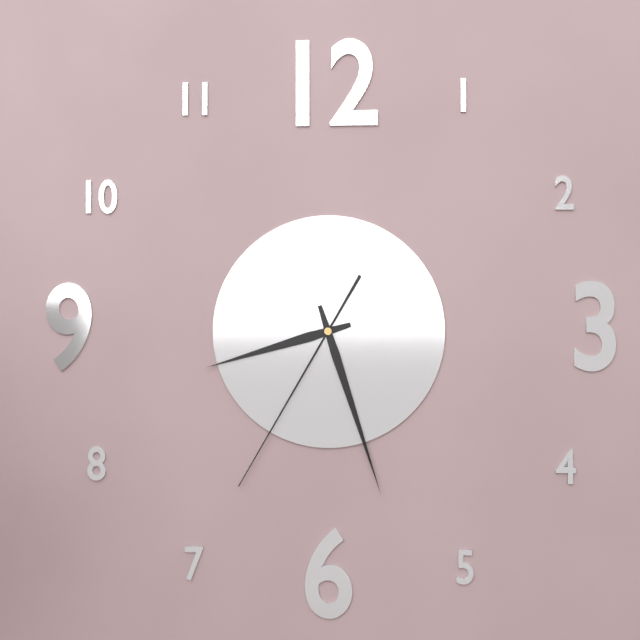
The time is {"hour": 8, "minute": 27, "second": 35}
